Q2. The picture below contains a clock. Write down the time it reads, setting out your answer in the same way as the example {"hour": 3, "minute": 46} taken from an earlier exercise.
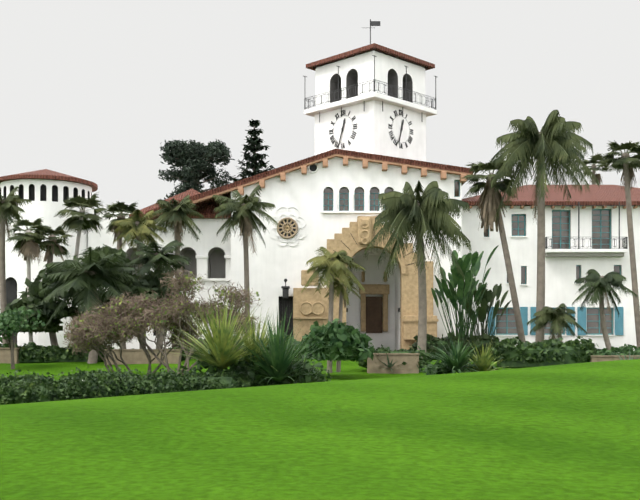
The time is {"hour": 12, "minute": 33}
